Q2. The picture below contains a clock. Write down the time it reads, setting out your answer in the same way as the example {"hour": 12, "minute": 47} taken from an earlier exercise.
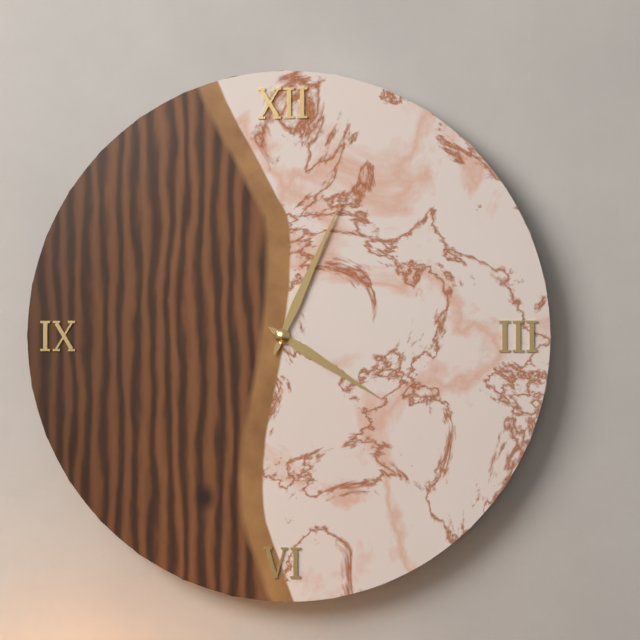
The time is {"hour": 4, "minute": 4}
